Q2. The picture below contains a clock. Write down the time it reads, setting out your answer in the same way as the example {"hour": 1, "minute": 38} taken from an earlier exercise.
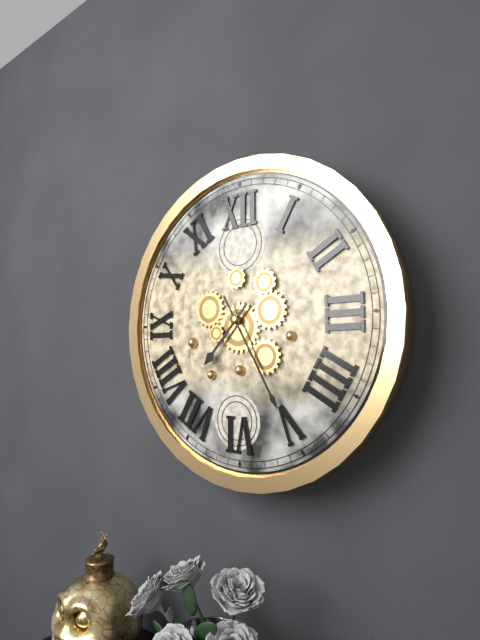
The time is {"hour": 7, "minute": 25}
